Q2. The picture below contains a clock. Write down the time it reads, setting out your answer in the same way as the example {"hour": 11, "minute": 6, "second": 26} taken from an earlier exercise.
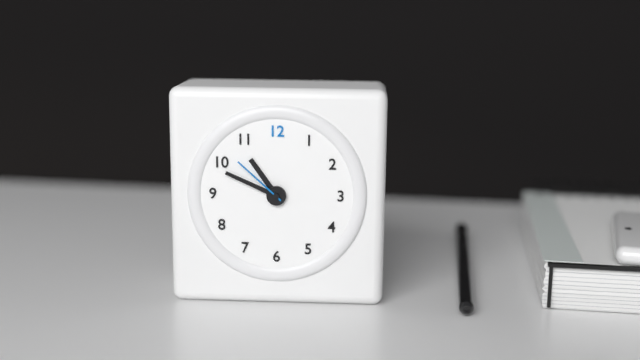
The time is {"hour": 10, "minute": 49, "second": 52}
